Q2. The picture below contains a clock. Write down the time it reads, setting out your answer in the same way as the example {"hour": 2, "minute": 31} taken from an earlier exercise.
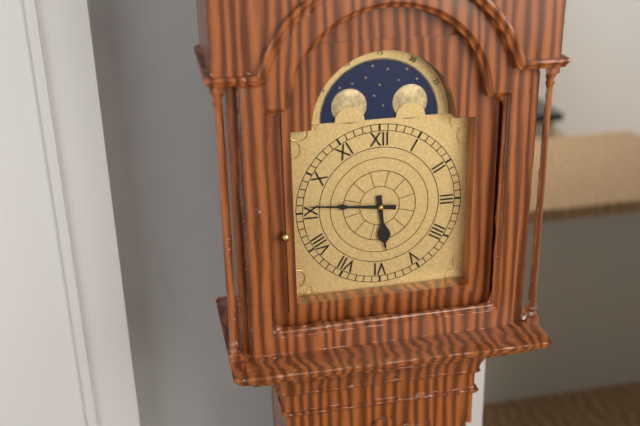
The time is {"hour": 5, "minute": 46}
